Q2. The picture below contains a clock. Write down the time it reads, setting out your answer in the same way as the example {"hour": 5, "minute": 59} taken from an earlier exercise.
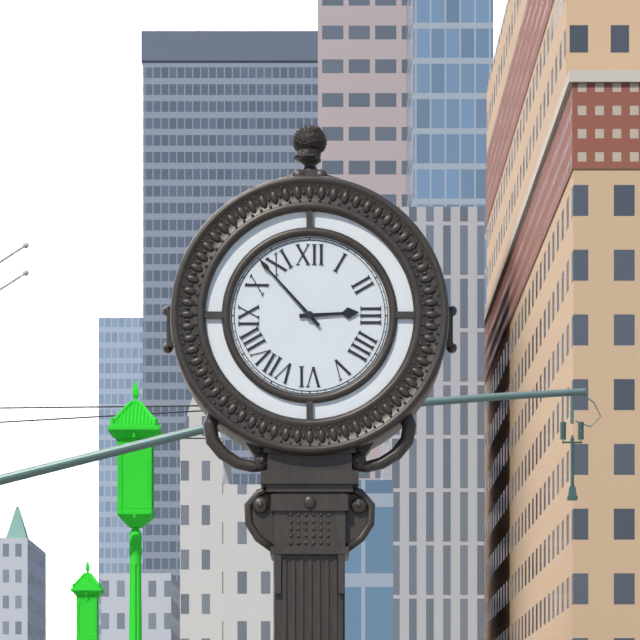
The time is {"hour": 2, "minute": 53}
